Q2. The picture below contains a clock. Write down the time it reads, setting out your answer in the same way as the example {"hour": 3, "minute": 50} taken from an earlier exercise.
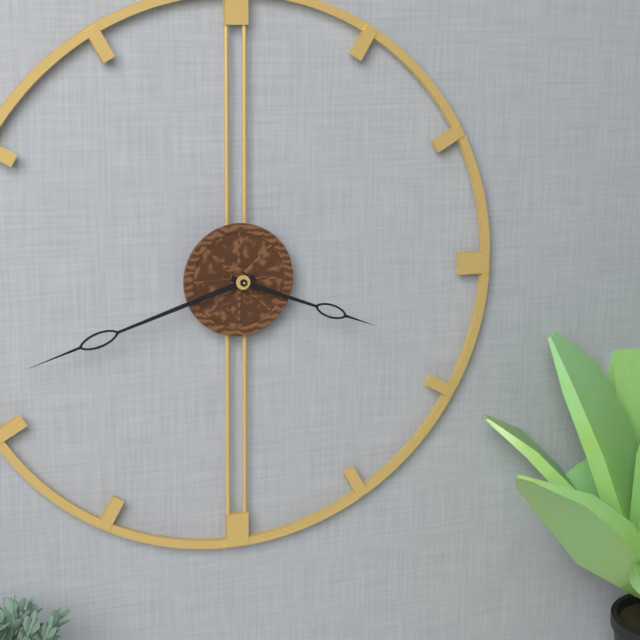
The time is {"hour": 3, "minute": 42}
